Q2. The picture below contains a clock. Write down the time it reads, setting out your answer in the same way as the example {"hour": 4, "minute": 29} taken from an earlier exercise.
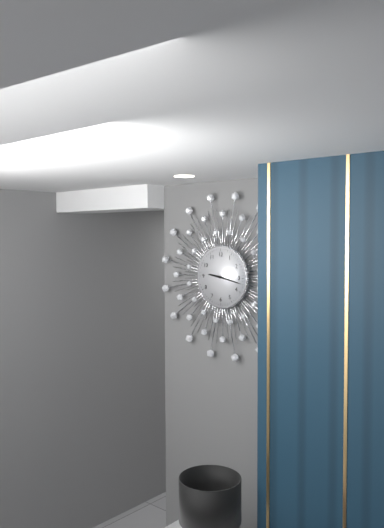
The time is {"hour": 9, "minute": 17}
